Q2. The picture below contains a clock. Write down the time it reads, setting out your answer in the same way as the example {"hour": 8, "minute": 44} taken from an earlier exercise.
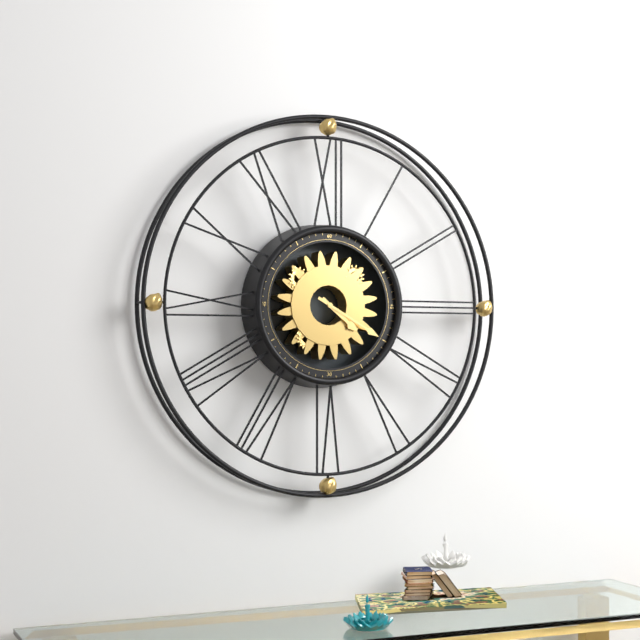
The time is {"hour": 4, "minute": 20}
